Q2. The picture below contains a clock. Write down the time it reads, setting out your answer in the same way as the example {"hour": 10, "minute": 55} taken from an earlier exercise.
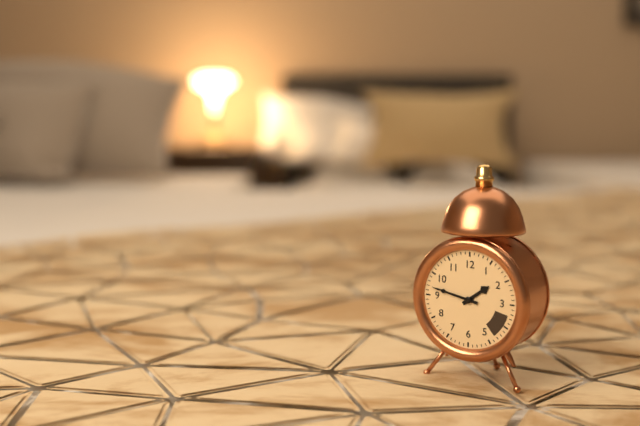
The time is {"hour": 1, "minute": 47}
